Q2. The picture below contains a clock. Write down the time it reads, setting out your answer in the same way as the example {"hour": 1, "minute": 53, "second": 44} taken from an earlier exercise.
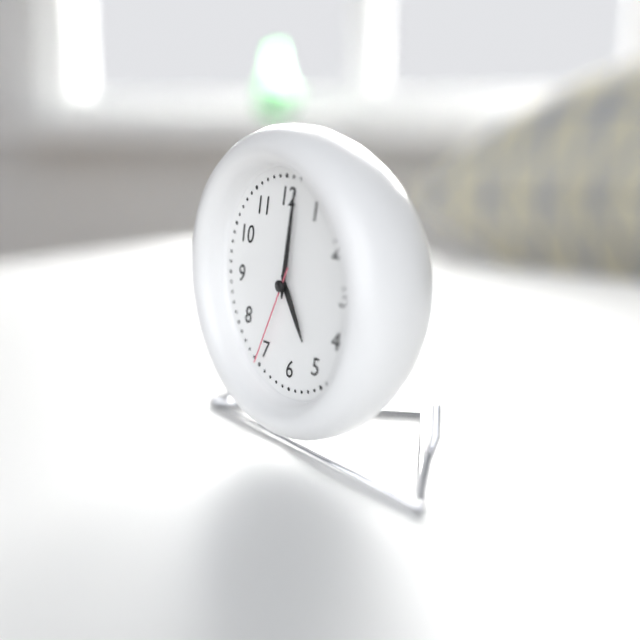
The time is {"hour": 5, "minute": 2, "second": 35}
